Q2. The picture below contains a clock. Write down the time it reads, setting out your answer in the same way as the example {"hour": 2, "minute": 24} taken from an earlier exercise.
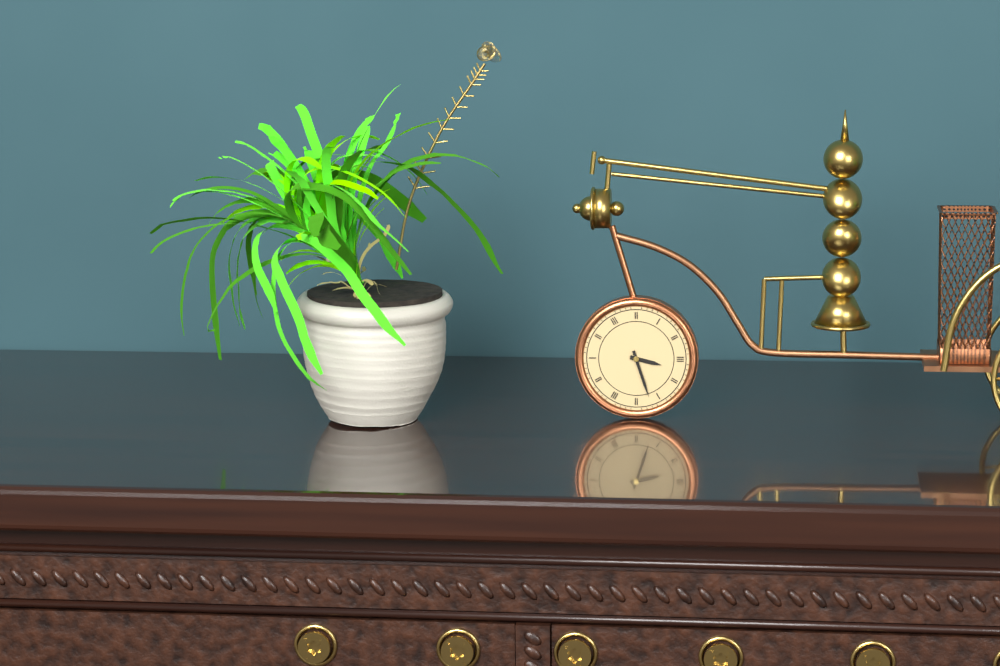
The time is {"hour": 3, "minute": 27}
